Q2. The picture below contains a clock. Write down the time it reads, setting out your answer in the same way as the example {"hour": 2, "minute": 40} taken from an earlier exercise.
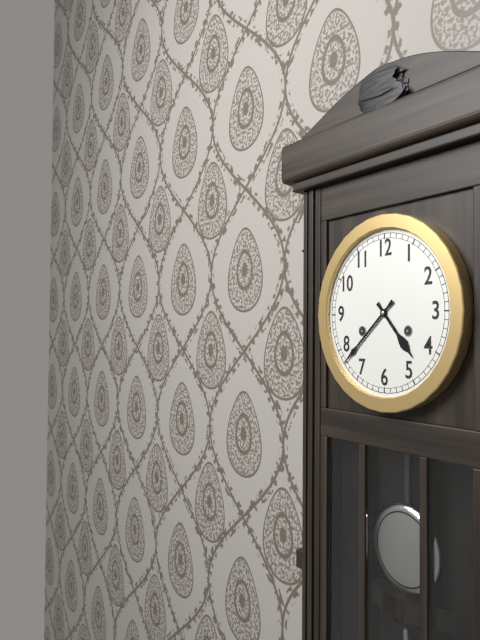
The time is {"hour": 4, "minute": 38}
